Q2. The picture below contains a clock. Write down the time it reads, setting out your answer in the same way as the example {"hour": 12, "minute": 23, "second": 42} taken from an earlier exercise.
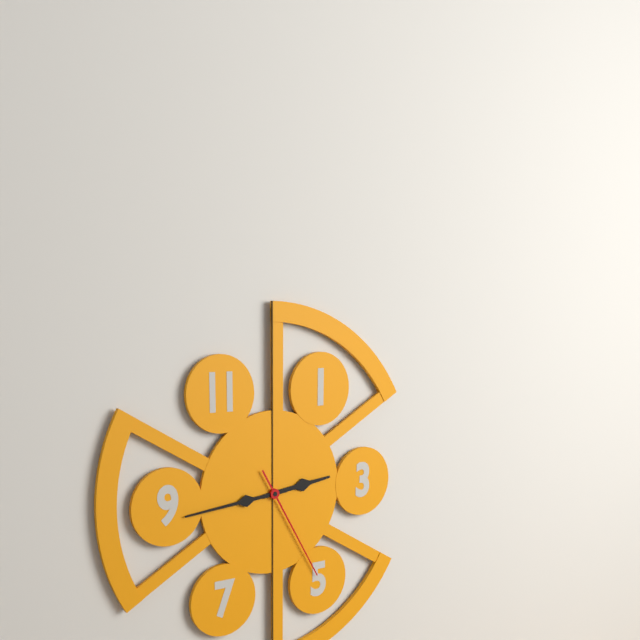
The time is {"hour": 2, "minute": 44, "second": 25}
